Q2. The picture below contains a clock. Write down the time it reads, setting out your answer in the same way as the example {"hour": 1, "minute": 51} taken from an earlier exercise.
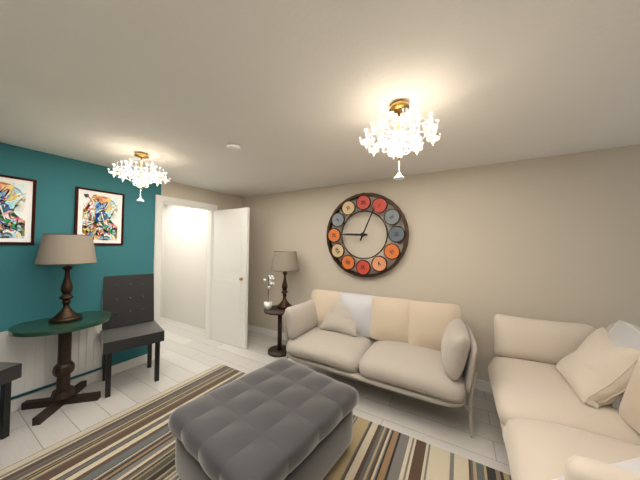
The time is {"hour": 9, "minute": 4}
